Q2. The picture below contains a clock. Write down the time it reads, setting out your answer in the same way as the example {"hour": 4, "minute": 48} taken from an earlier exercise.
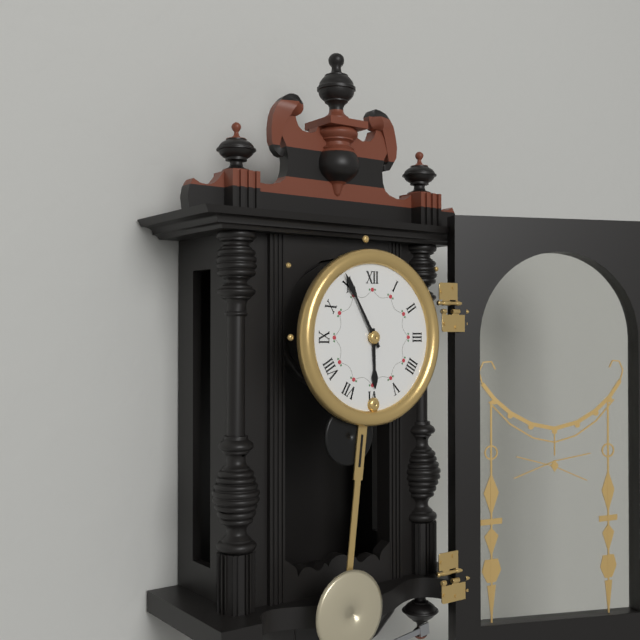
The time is {"hour": 5, "minute": 55}
